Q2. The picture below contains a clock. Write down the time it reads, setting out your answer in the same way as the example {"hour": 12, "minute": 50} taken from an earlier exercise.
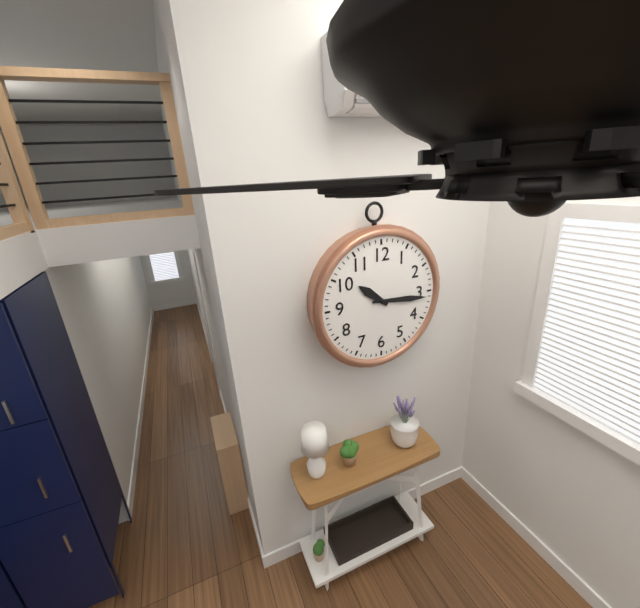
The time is {"hour": 10, "minute": 16}
